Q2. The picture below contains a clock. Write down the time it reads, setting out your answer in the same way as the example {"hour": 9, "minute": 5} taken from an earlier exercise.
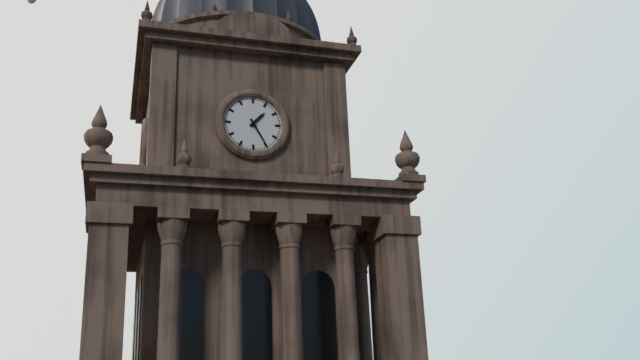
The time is {"hour": 1, "minute": 25}
